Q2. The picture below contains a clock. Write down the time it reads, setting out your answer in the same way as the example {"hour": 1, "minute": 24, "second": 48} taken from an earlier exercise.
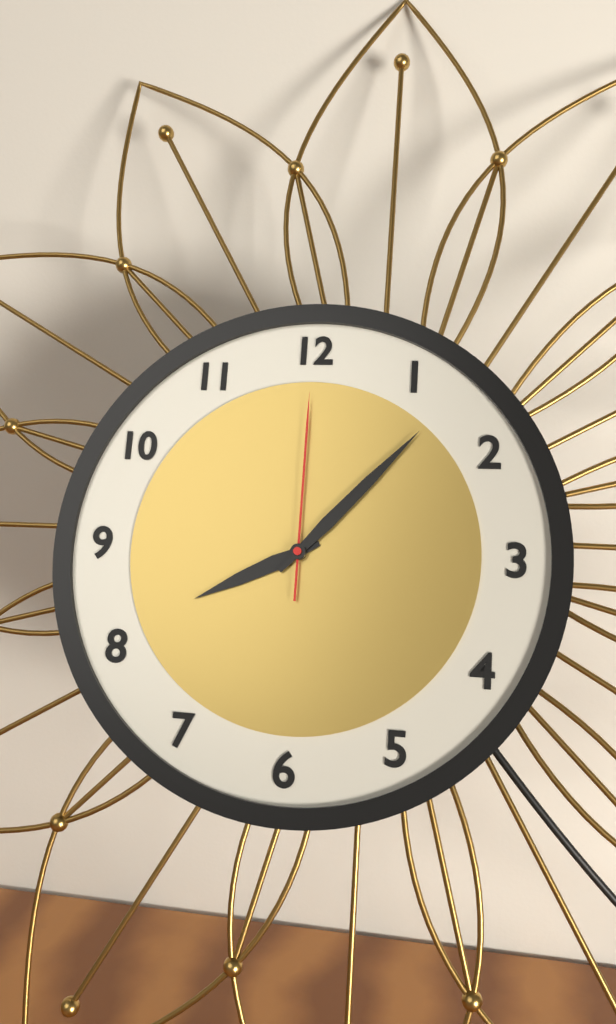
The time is {"hour": 8, "minute": 7, "second": 0}
